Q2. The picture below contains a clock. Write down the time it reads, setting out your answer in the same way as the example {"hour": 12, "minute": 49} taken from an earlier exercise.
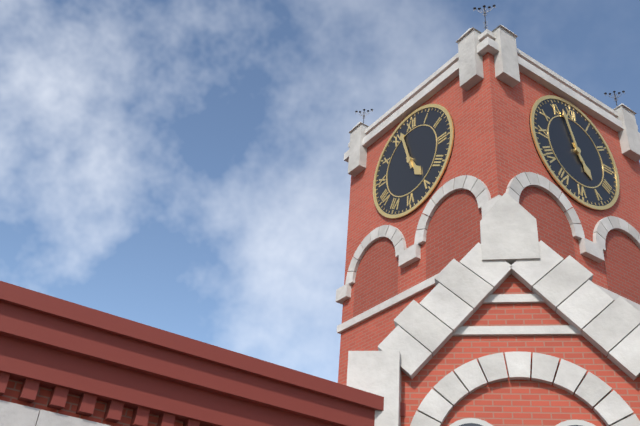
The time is {"hour": 4, "minute": 57}
